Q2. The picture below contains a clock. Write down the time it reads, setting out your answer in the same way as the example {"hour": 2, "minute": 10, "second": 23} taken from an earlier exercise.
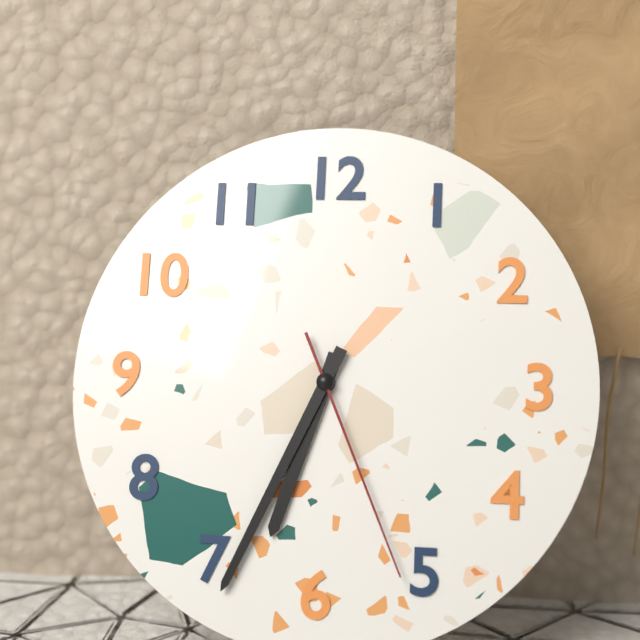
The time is {"hour": 6, "minute": 34, "second": 26}
